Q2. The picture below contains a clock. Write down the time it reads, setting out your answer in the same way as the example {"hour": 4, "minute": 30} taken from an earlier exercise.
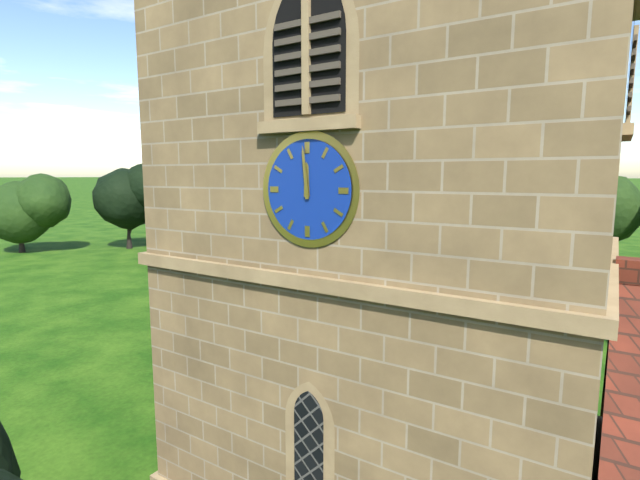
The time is {"hour": 11, "minute": 59}
